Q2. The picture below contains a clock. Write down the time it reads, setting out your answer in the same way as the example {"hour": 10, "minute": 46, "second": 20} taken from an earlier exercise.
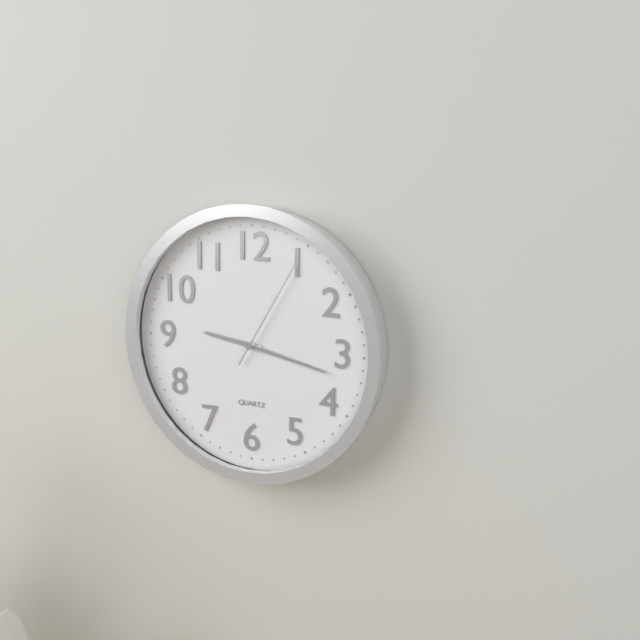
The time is {"hour": 9, "minute": 17, "second": 5}
